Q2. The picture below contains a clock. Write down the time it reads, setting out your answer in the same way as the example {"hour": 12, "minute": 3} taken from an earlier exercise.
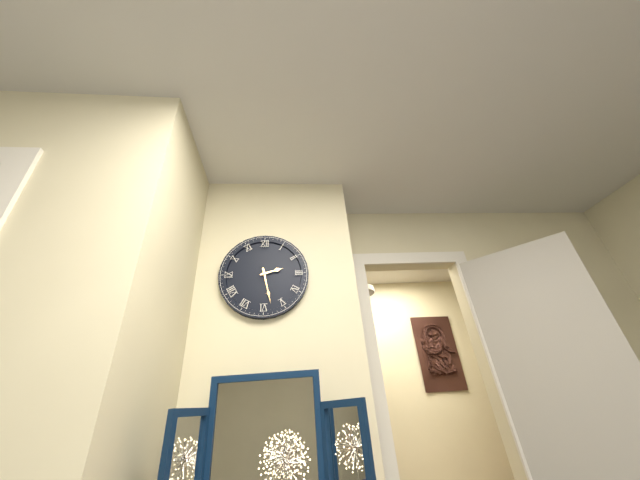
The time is {"hour": 2, "minute": 28}
